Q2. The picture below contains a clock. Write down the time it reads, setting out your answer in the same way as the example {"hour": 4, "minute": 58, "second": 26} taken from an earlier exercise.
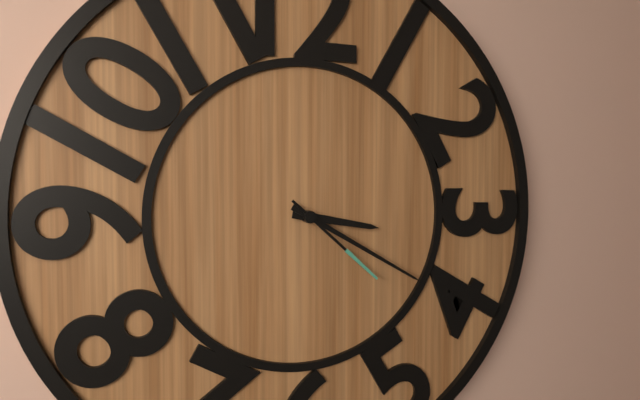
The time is {"hour": 3, "minute": 20, "second": 22}
